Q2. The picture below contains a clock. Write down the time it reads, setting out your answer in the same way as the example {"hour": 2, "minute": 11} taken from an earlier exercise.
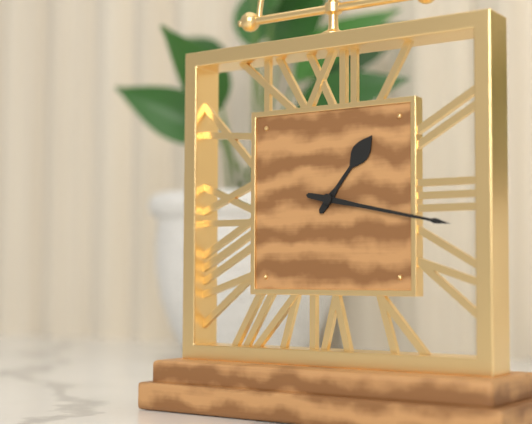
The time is {"hour": 1, "minute": 17}
